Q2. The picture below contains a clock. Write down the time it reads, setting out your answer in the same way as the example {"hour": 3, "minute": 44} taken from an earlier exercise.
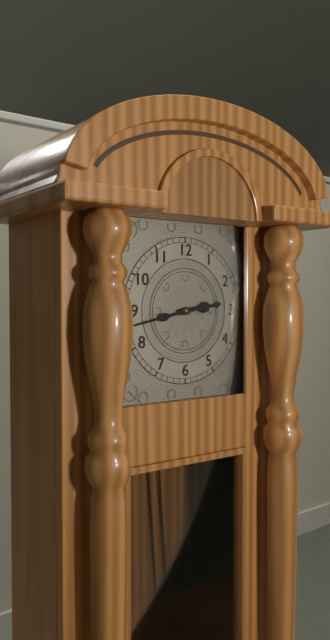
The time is {"hour": 2, "minute": 43}
